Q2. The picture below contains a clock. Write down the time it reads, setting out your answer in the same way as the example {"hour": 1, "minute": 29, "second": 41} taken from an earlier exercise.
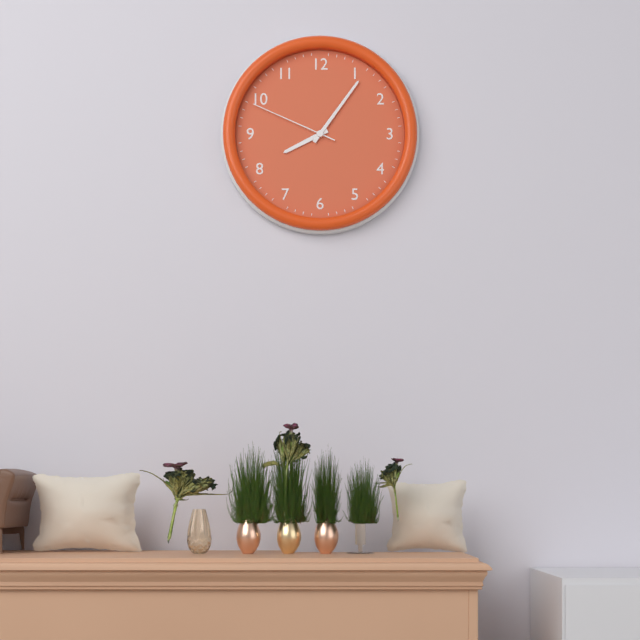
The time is {"hour": 8, "minute": 6, "second": 49}
